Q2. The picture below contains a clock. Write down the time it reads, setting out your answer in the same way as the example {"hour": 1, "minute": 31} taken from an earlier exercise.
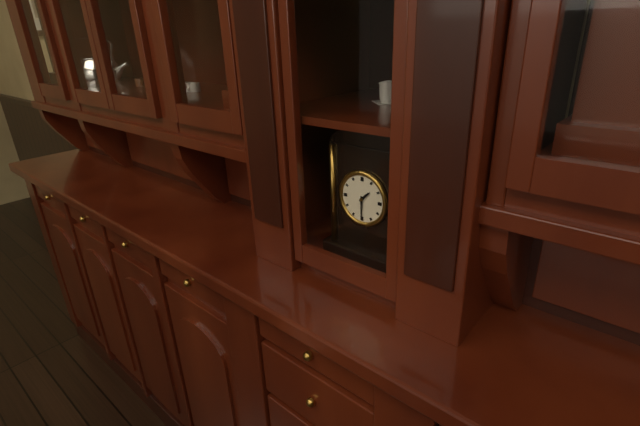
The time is {"hour": 1, "minute": 30}
